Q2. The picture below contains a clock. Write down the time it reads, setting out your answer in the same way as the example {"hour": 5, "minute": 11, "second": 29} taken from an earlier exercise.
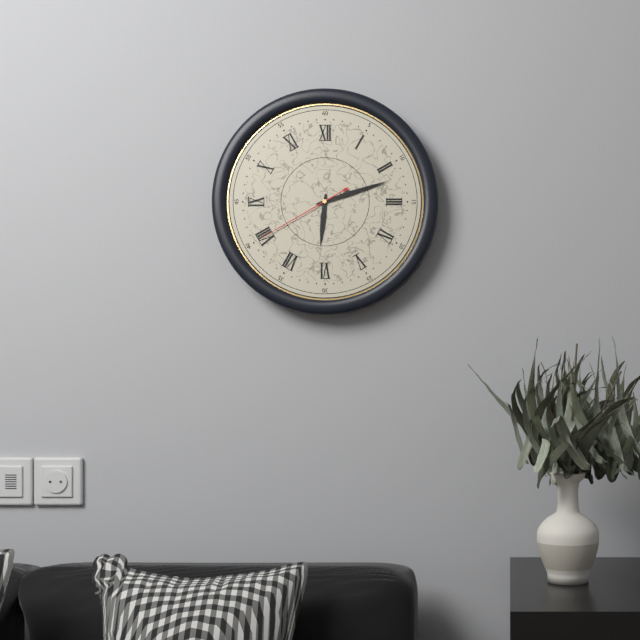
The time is {"hour": 6, "minute": 12, "second": 40}
